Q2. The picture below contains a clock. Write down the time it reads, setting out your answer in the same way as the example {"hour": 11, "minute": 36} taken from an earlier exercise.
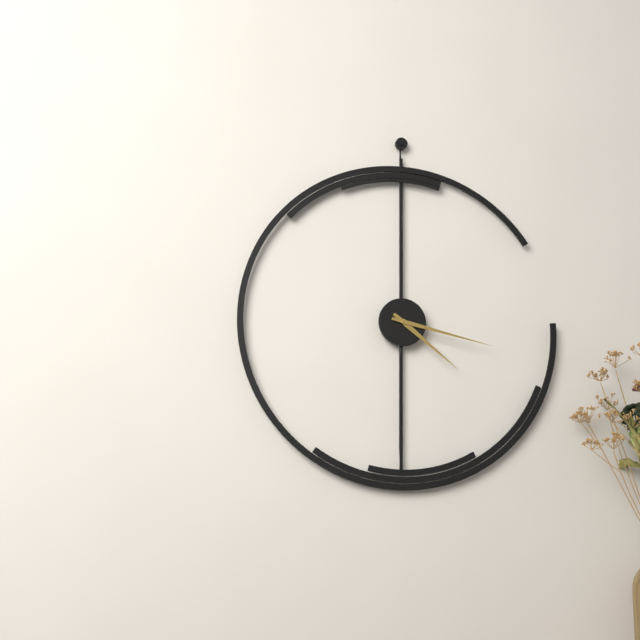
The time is {"hour": 4, "minute": 17}
